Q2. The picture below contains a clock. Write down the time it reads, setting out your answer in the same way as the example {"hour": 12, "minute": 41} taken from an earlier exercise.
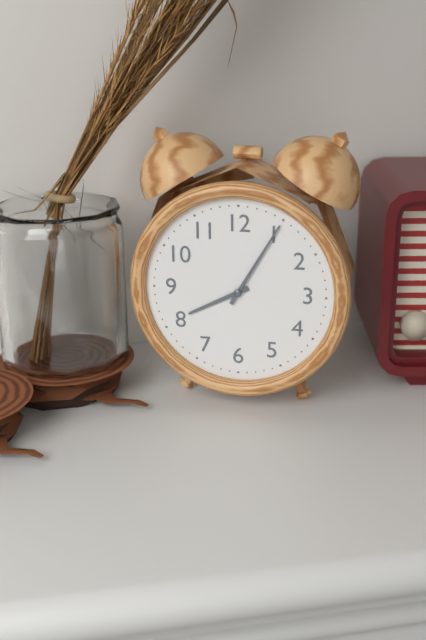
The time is {"hour": 8, "minute": 5}
